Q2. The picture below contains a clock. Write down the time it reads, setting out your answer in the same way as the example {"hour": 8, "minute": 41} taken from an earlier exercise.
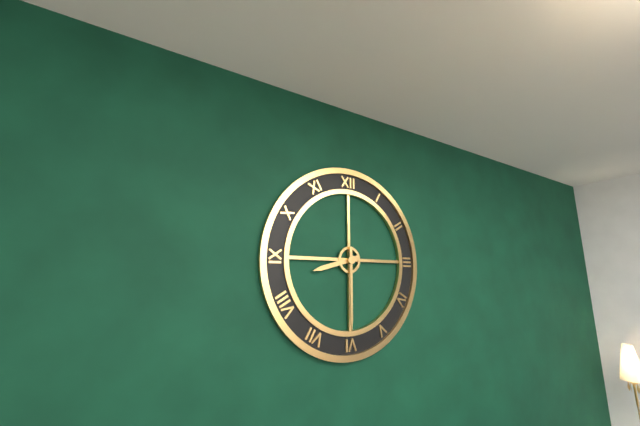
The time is {"hour": 8, "minute": 30}
